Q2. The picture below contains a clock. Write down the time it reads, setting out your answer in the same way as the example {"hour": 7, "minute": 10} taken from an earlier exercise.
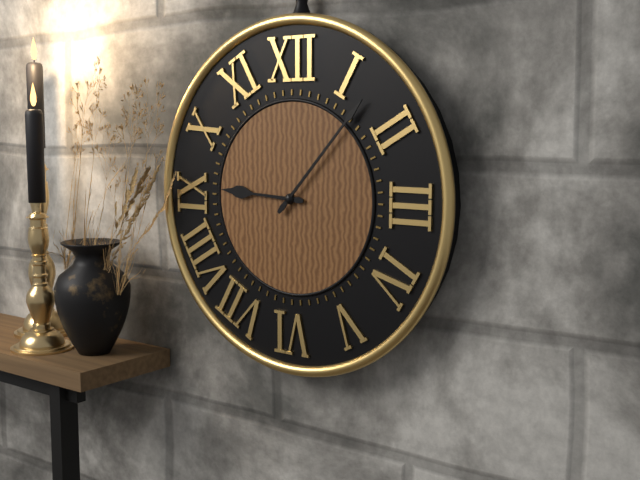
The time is {"hour": 9, "minute": 7}
